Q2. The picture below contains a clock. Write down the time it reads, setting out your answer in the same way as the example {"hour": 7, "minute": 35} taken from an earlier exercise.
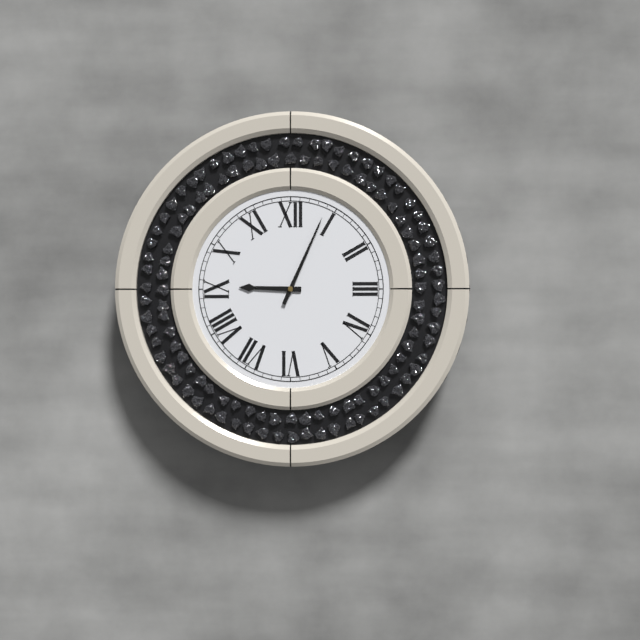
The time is {"hour": 9, "minute": 4}
